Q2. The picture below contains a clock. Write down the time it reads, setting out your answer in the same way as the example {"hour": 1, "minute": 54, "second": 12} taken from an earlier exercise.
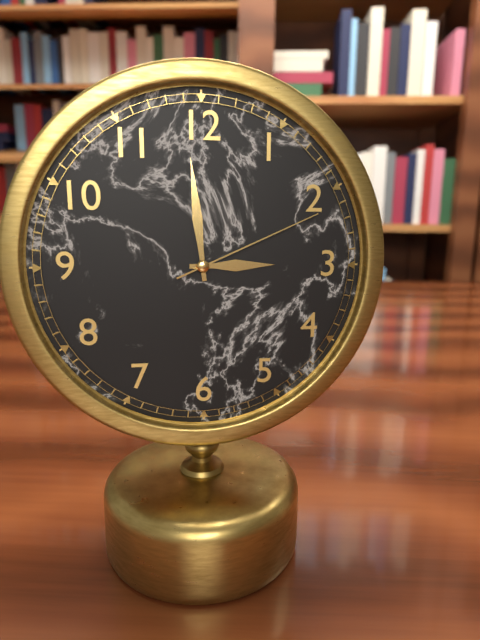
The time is {"hour": 2, "minute": 59, "second": 11}
